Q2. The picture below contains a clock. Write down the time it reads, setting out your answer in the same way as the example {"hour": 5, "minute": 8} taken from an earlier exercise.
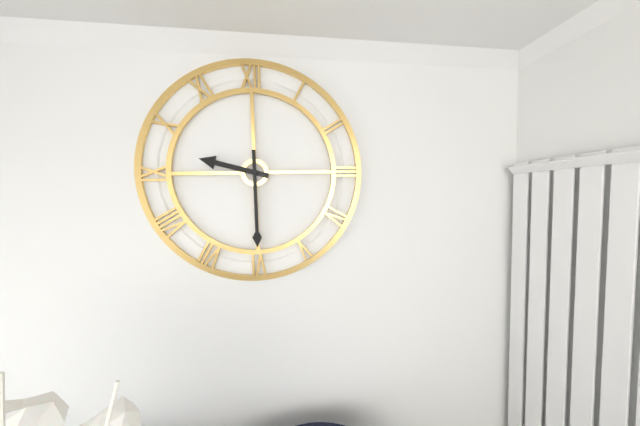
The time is {"hour": 9, "minute": 30}
